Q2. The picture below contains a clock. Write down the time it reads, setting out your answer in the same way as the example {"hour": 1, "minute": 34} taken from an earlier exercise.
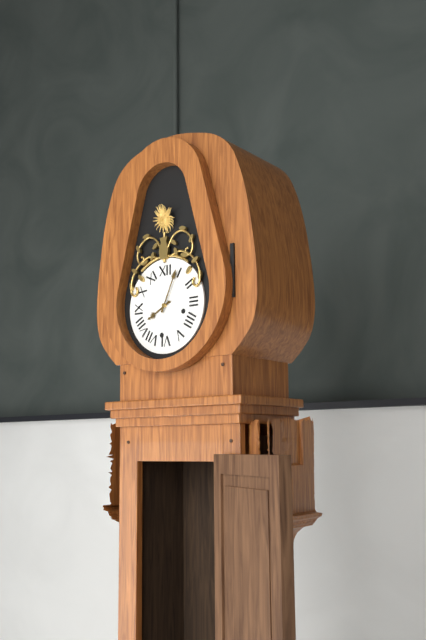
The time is {"hour": 8, "minute": 4}
